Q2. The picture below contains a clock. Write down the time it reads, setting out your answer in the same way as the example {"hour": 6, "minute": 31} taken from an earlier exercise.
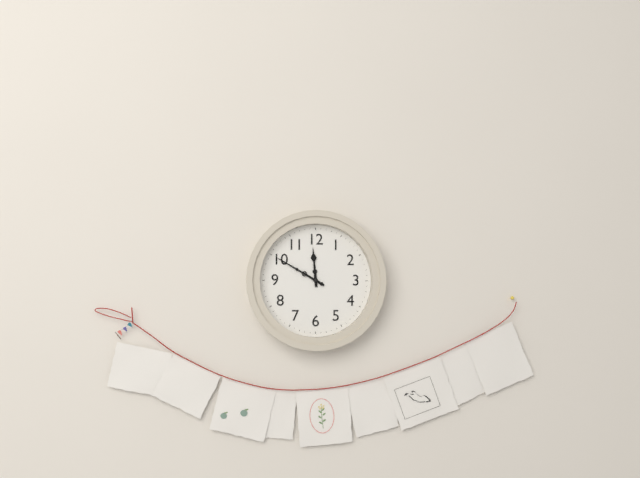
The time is {"hour": 11, "minute": 50}
